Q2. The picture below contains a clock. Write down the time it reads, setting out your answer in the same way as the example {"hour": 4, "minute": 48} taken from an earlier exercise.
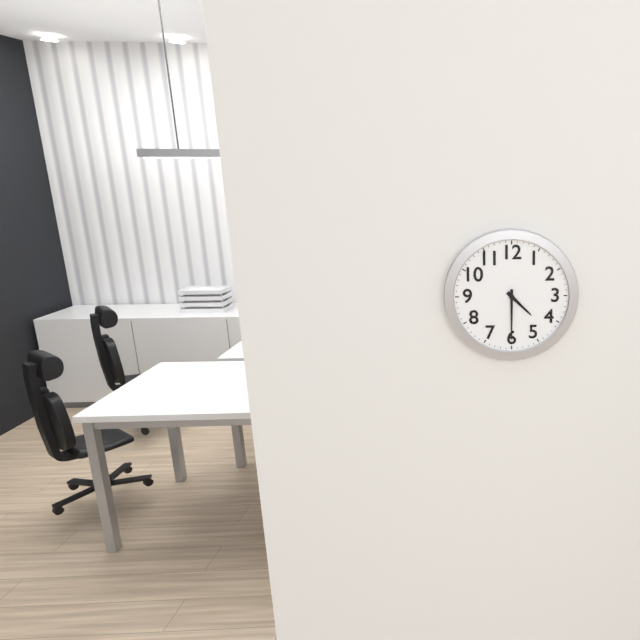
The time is {"hour": 4, "minute": 30}
